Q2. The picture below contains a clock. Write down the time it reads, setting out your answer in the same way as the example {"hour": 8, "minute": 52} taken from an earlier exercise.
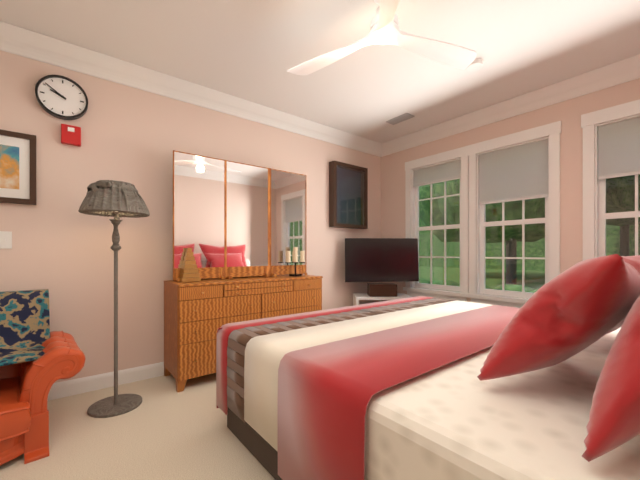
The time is {"hour": 9, "minute": 51}
